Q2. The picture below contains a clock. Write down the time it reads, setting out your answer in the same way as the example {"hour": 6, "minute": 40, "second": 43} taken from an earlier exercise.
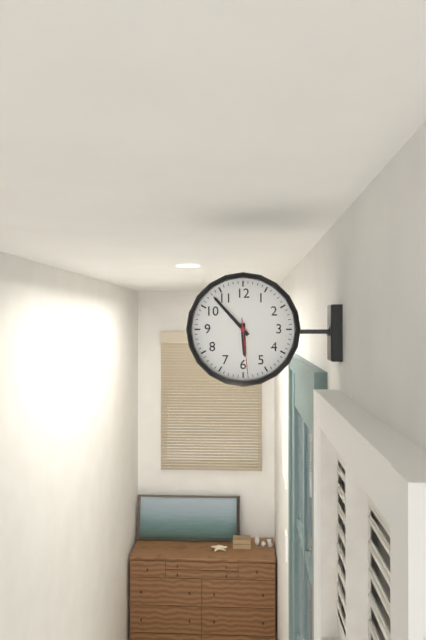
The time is {"hour": 5, "minute": 53, "second": 29}
